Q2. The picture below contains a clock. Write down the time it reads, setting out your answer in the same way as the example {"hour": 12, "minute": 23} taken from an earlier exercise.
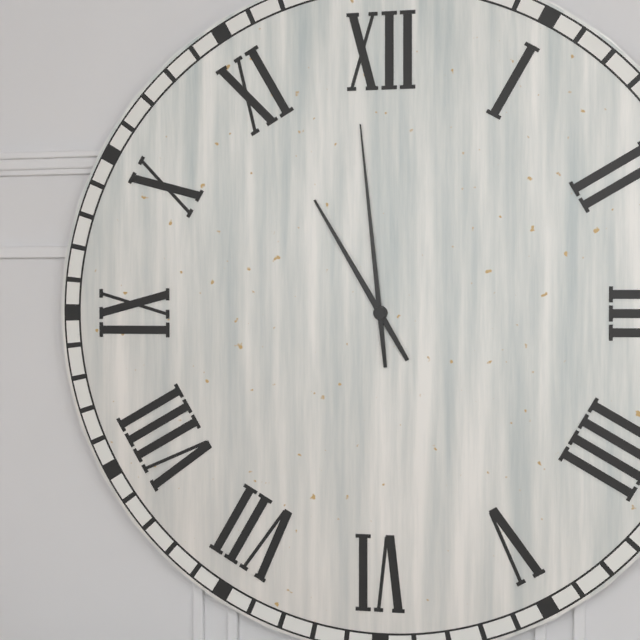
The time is {"hour": 10, "minute": 59}
